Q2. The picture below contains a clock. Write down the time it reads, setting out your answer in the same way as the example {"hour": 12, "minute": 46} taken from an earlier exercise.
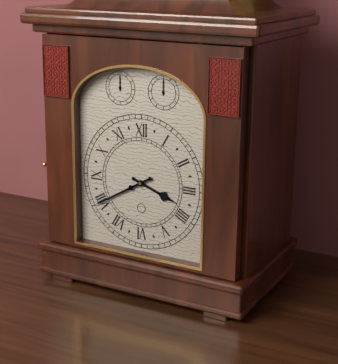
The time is {"hour": 3, "minute": 40}
